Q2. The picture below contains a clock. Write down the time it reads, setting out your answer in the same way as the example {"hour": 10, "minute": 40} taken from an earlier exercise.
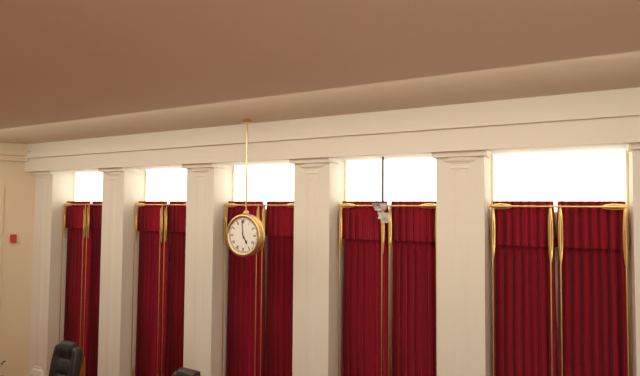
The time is {"hour": 4, "minute": 59}
